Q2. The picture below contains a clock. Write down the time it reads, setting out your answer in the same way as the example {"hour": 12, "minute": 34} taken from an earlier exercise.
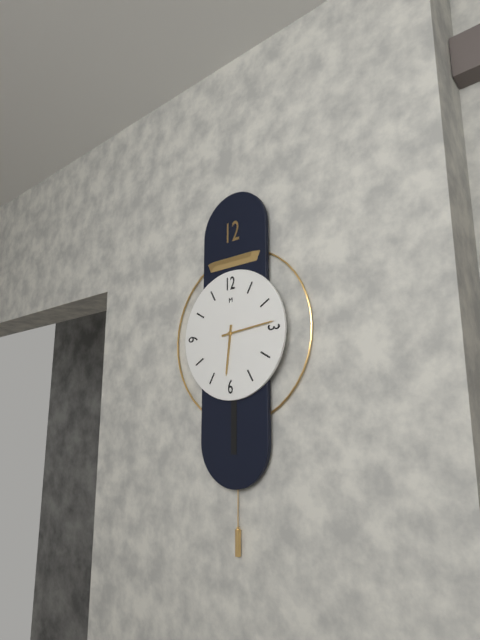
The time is {"hour": 6, "minute": 14}
